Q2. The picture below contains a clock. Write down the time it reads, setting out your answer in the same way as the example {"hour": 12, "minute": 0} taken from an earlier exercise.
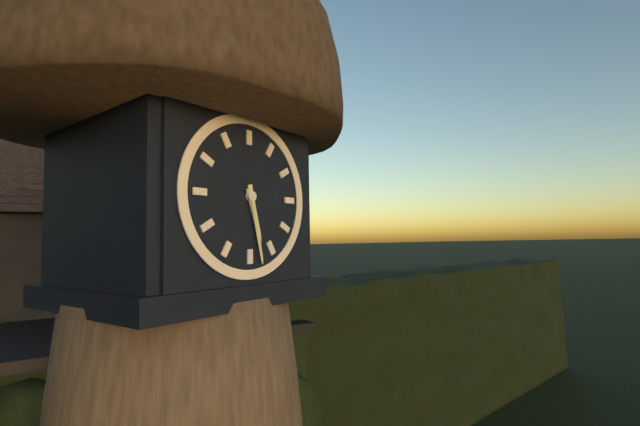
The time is {"hour": 5, "minute": 28}
